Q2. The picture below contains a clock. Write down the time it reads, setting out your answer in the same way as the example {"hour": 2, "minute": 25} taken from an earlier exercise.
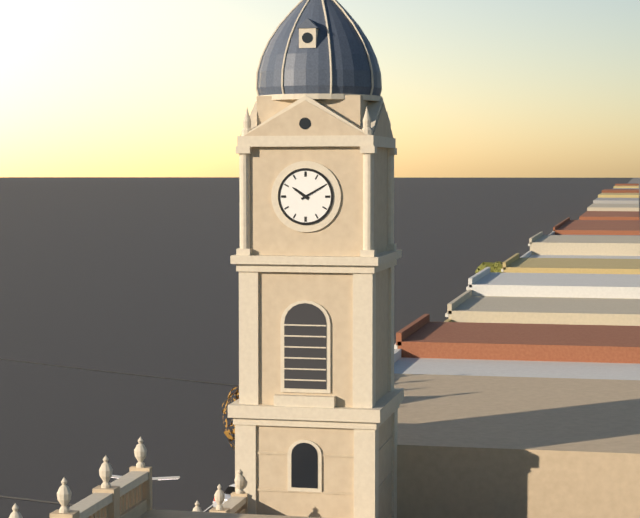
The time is {"hour": 10, "minute": 10}
